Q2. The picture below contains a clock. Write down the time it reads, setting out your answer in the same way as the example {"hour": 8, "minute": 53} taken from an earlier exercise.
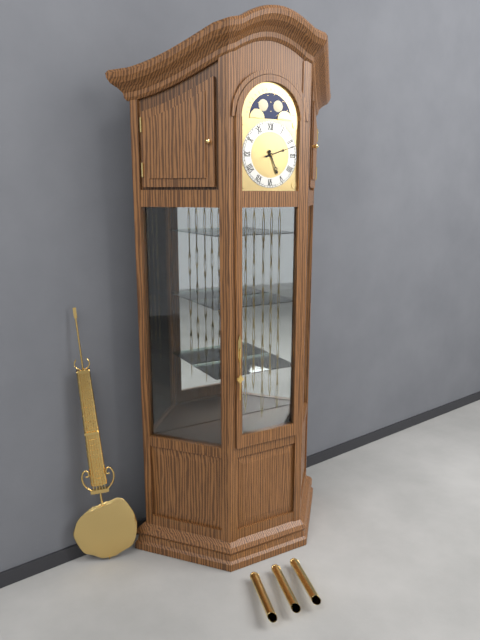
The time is {"hour": 5, "minute": 12}
